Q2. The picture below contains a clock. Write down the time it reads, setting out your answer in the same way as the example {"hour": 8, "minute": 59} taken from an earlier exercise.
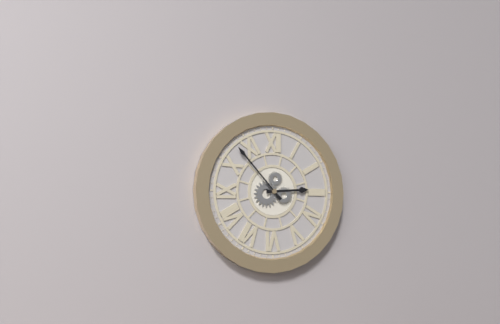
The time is {"hour": 2, "minute": 53}
